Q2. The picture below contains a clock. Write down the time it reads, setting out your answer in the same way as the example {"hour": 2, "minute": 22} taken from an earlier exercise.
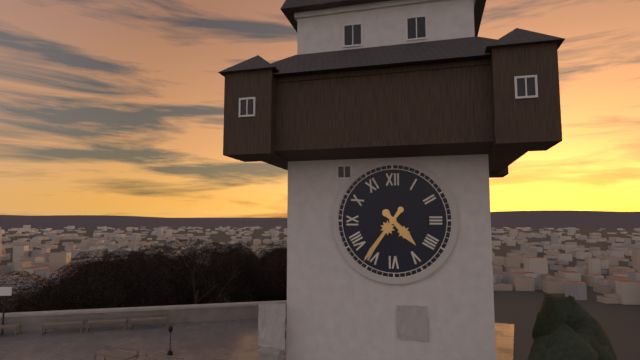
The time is {"hour": 4, "minute": 36}
